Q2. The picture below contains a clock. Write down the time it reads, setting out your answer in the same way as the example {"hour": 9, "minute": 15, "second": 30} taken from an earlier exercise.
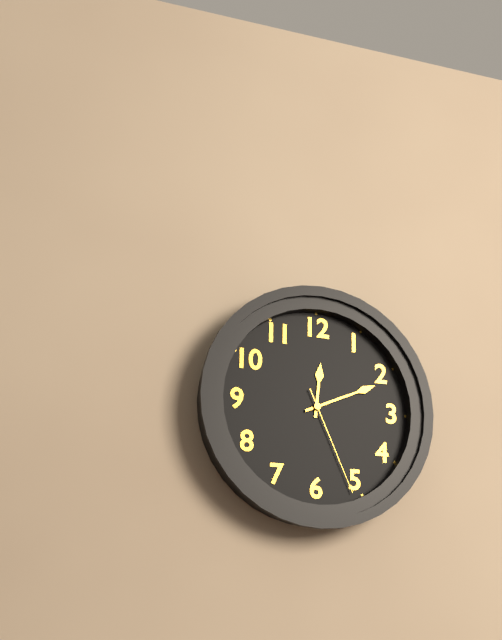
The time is {"hour": 12, "minute": 11, "second": 26}
